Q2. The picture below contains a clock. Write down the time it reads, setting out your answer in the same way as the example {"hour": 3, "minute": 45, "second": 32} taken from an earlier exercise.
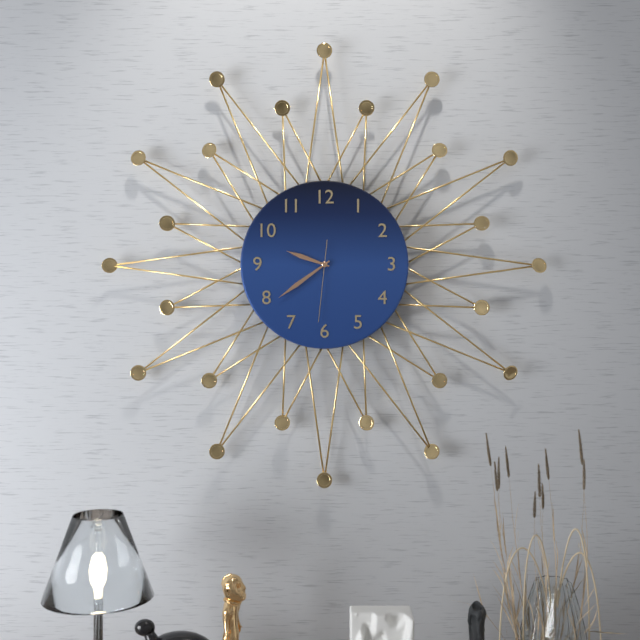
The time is {"hour": 9, "minute": 39, "second": 31}
